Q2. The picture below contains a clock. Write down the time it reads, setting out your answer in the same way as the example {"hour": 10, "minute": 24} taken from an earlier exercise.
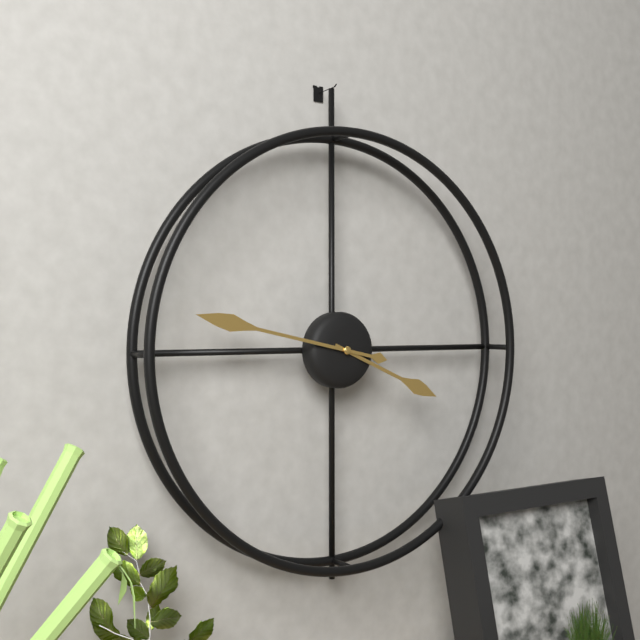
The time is {"hour": 3, "minute": 47}
